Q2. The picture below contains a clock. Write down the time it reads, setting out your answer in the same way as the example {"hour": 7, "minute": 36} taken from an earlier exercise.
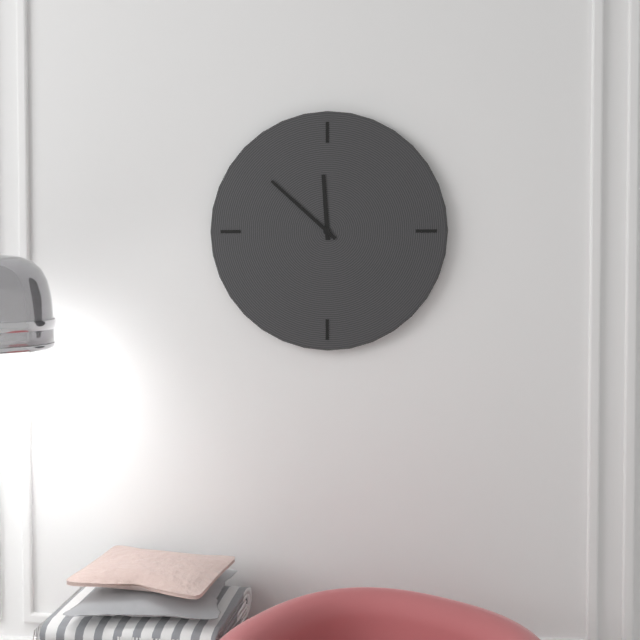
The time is {"hour": 11, "minute": 52}
